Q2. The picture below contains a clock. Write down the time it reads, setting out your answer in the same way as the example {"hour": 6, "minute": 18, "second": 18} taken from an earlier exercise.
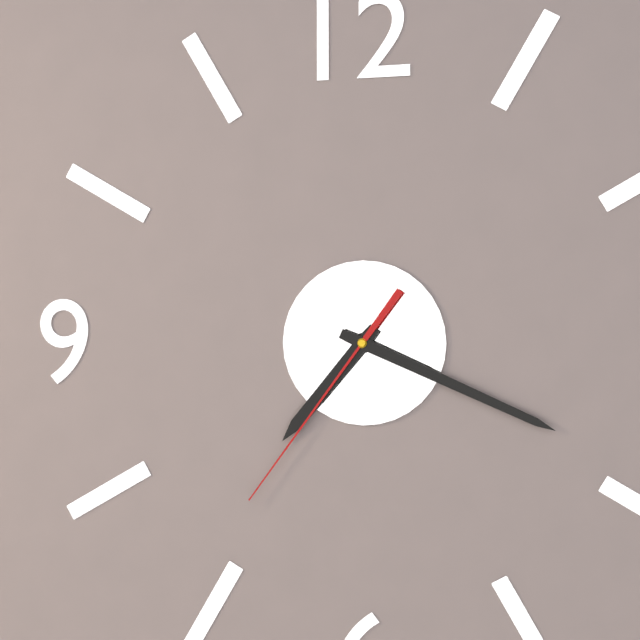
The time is {"hour": 7, "minute": 19, "second": 36}
